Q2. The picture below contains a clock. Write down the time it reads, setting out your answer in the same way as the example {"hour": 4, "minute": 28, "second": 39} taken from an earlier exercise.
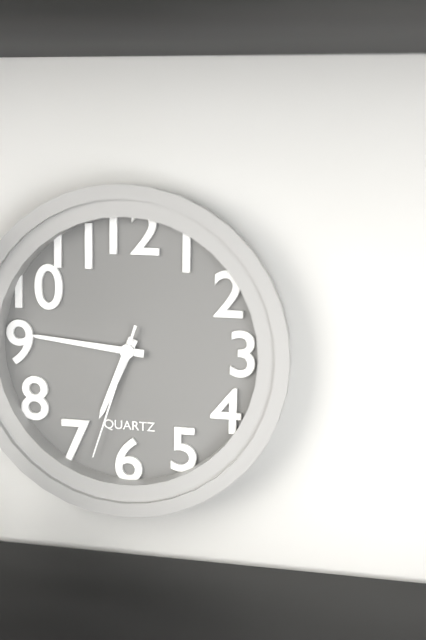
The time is {"hour": 6, "minute": 46, "second": 33}
